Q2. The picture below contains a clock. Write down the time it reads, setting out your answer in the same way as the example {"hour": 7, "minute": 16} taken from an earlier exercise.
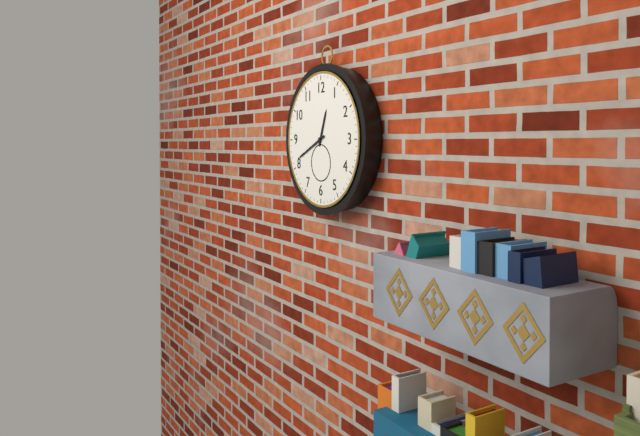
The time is {"hour": 12, "minute": 41}
